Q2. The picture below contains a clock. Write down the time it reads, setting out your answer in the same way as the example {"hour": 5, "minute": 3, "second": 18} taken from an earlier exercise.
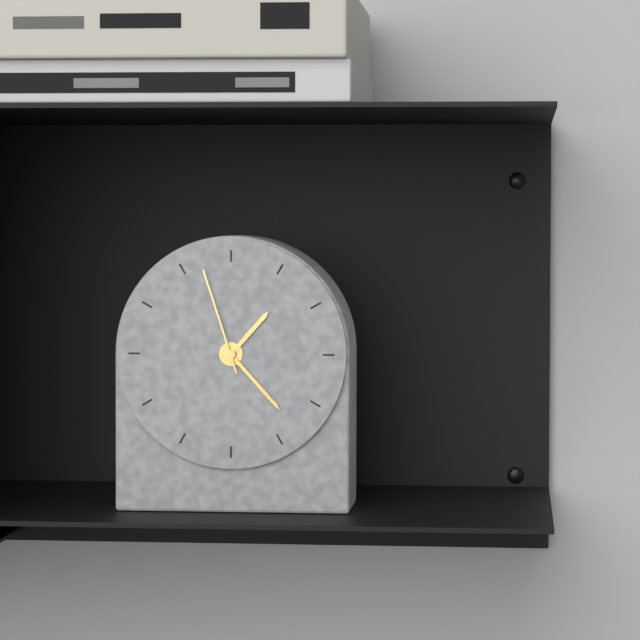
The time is {"hour": 1, "minute": 23, "second": 57}
